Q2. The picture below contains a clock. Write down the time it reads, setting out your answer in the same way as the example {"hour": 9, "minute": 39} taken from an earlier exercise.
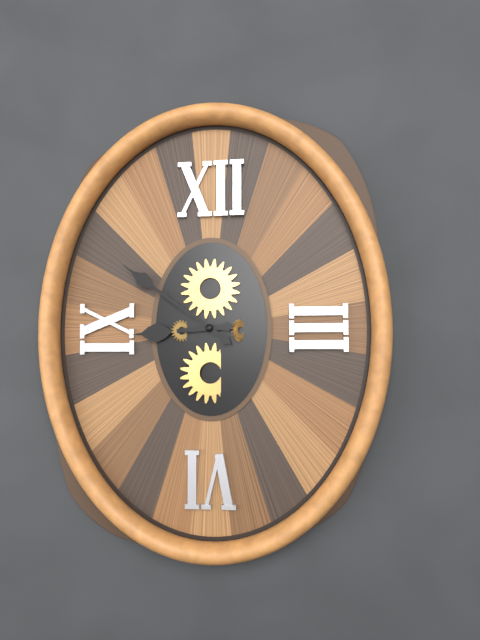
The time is {"hour": 8, "minute": 51}
